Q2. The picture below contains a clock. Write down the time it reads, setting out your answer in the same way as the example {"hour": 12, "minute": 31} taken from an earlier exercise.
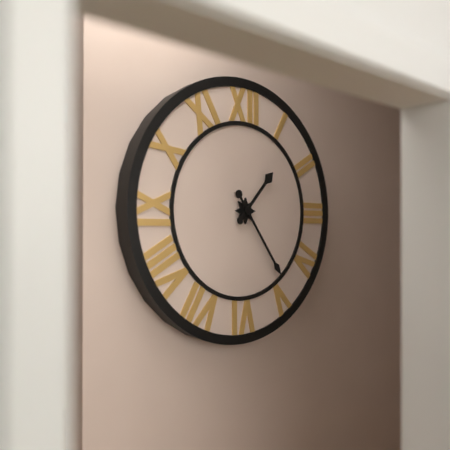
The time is {"hour": 1, "minute": 24}
